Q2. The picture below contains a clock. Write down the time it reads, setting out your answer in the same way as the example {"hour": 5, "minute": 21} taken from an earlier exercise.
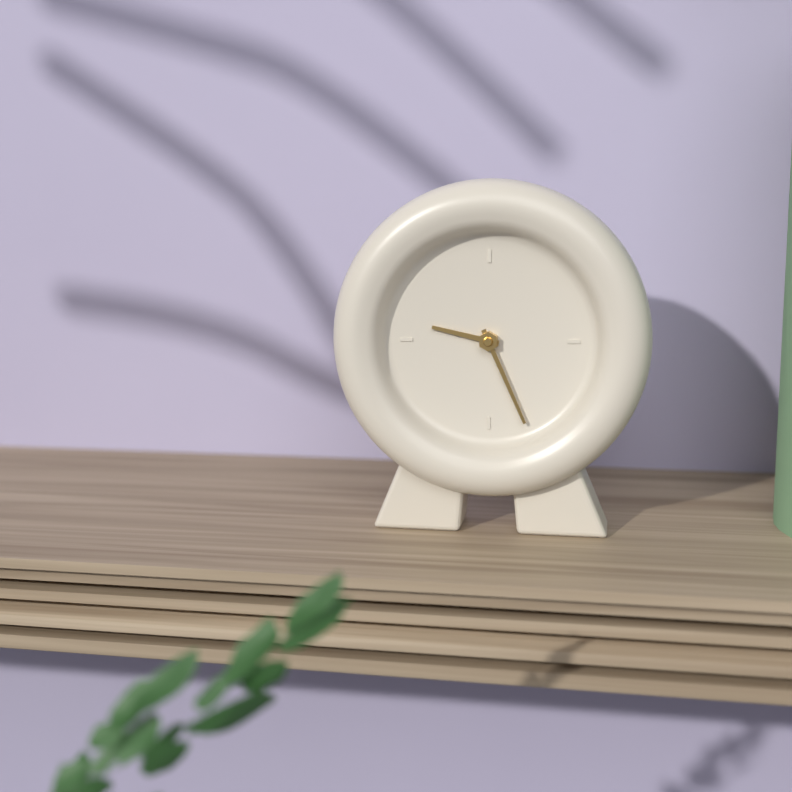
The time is {"hour": 9, "minute": 26}
